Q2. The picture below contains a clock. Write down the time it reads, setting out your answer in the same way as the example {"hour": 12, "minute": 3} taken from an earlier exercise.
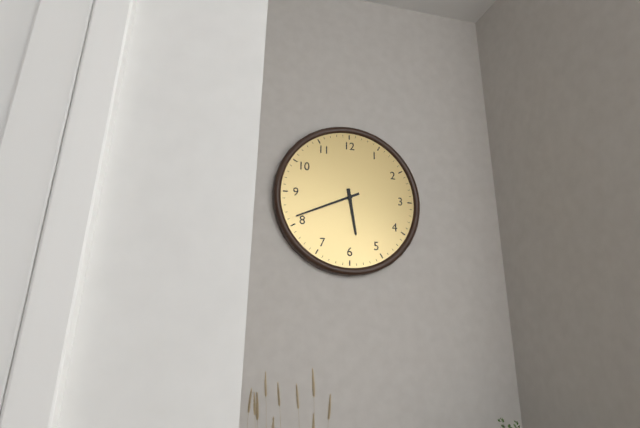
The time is {"hour": 5, "minute": 41}
